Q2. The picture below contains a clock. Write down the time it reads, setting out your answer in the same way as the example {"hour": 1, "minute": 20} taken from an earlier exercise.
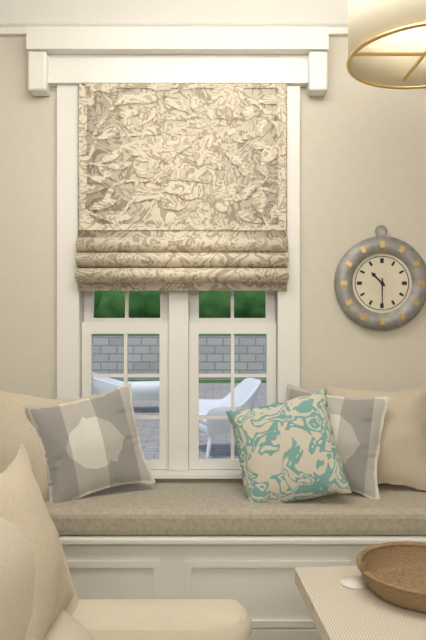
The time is {"hour": 10, "minute": 30}
